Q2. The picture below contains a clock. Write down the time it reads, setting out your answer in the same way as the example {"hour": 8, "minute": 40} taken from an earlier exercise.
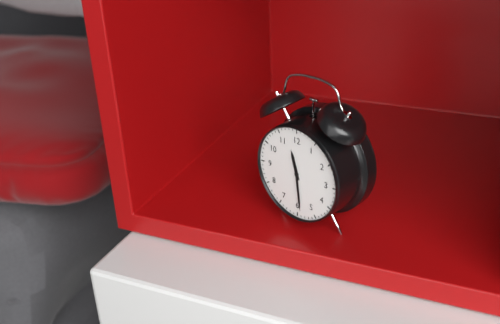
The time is {"hour": 11, "minute": 29}
